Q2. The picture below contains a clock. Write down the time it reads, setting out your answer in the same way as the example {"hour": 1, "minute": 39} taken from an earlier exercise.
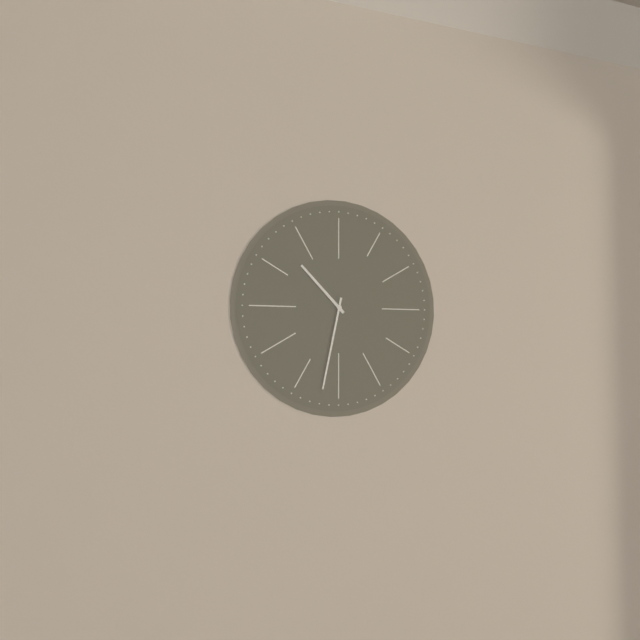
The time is {"hour": 10, "minute": 32}
